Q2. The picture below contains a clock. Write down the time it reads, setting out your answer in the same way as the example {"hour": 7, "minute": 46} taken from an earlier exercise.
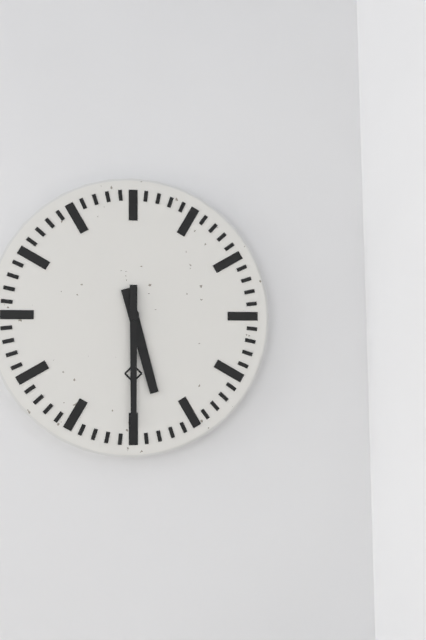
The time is {"hour": 5, "minute": 30}
